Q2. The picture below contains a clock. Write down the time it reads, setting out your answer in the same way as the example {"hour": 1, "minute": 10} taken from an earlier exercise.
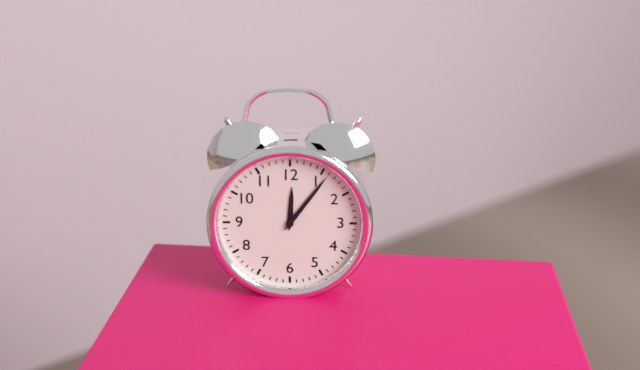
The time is {"hour": 12, "minute": 6}
